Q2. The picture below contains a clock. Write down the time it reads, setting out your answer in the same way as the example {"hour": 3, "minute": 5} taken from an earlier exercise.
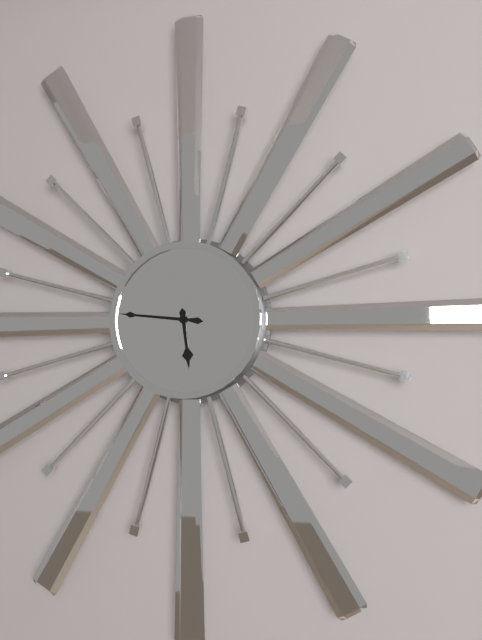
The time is {"hour": 5, "minute": 46}
